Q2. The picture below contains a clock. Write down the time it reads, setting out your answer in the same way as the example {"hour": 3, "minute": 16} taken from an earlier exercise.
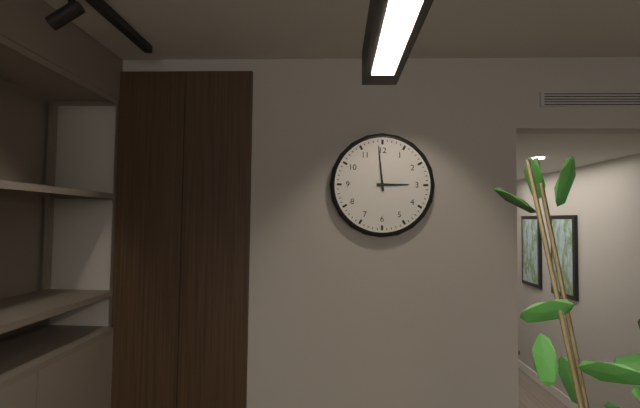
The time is {"hour": 2, "minute": 59}
